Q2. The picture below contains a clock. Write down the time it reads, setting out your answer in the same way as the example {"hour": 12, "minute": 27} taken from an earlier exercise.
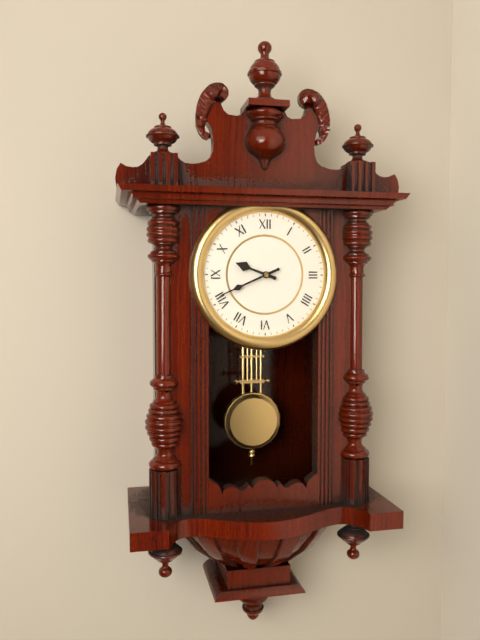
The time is {"hour": 9, "minute": 41}
